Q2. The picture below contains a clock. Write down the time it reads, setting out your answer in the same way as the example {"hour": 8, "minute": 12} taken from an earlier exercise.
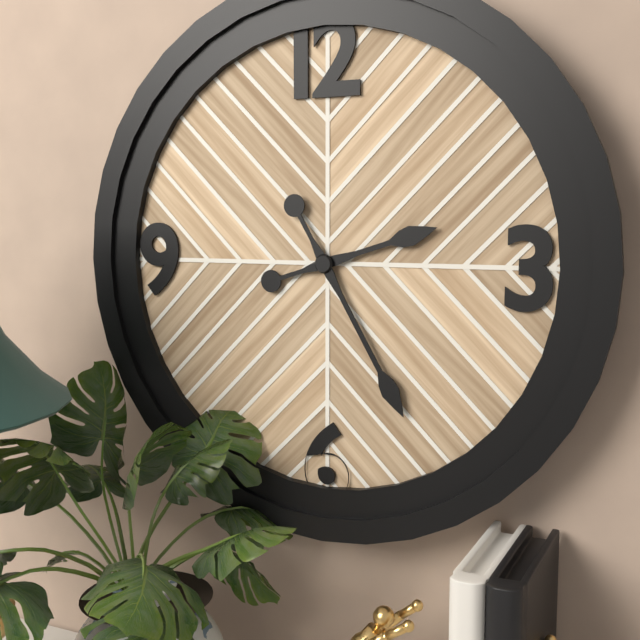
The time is {"hour": 2, "minute": 25}
